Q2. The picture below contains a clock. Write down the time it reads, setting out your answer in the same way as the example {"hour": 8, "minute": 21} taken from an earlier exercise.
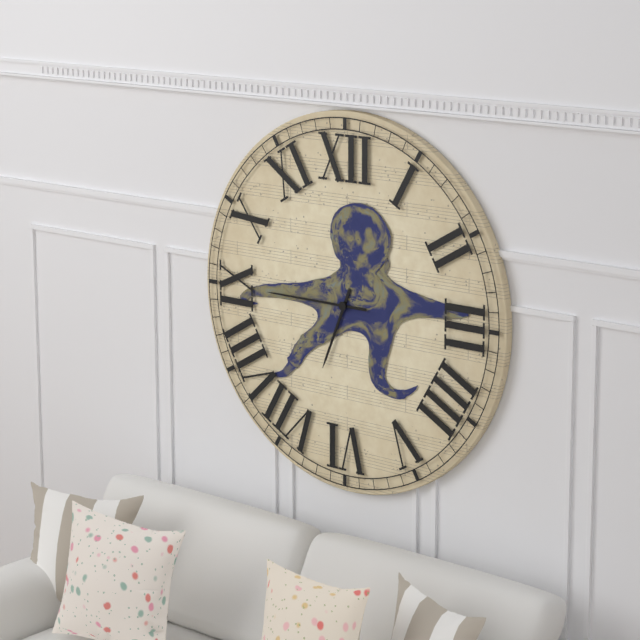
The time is {"hour": 6, "minute": 45}
